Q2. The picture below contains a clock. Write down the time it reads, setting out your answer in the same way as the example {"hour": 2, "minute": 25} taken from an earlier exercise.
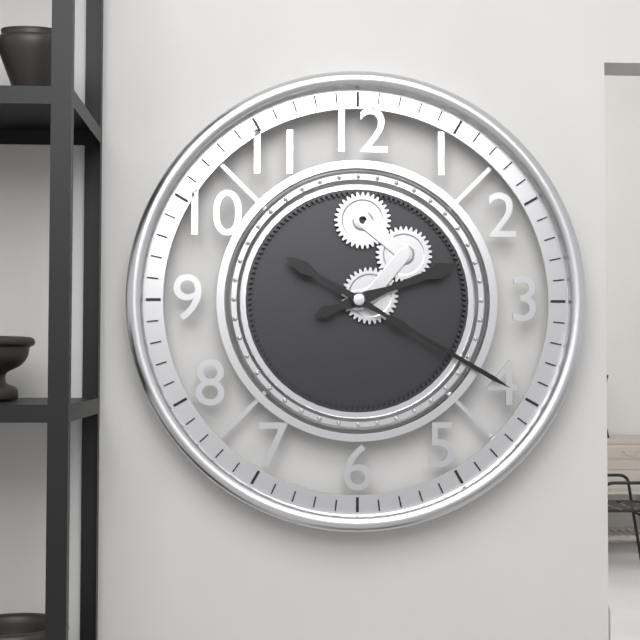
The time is {"hour": 2, "minute": 20}
